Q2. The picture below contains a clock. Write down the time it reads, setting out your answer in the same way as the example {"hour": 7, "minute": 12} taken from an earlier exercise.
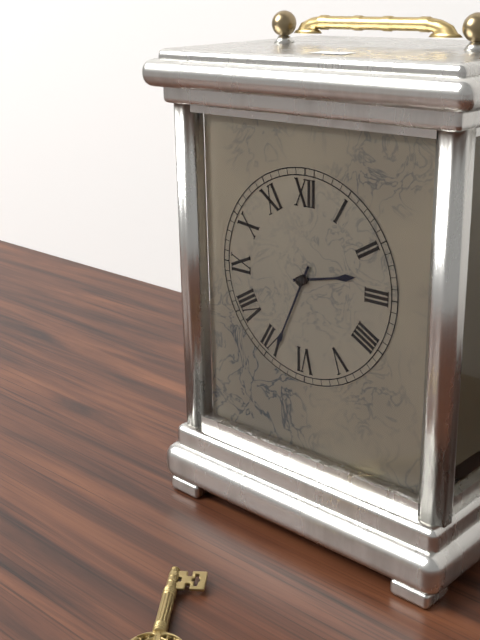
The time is {"hour": 2, "minute": 34}
